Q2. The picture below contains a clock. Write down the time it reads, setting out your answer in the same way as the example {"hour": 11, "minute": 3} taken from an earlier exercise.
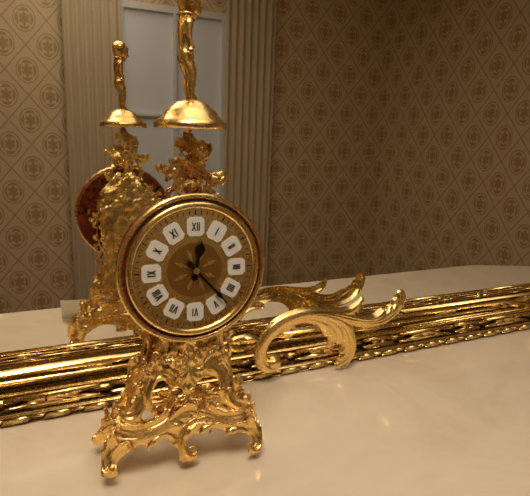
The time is {"hour": 12, "minute": 23}
